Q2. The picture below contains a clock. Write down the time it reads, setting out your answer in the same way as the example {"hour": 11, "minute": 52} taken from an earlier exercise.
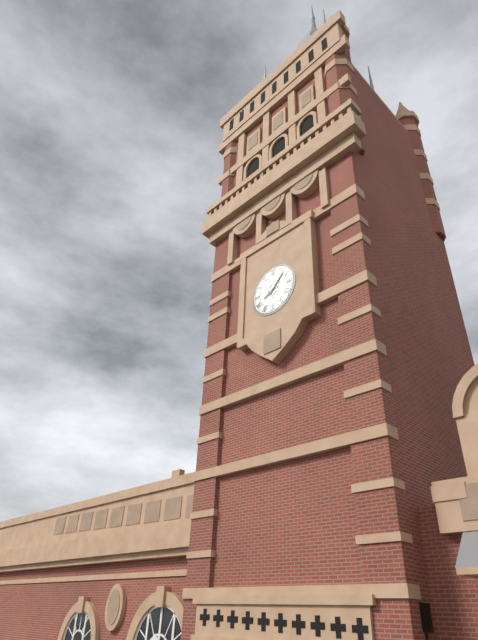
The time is {"hour": 8, "minute": 7}
